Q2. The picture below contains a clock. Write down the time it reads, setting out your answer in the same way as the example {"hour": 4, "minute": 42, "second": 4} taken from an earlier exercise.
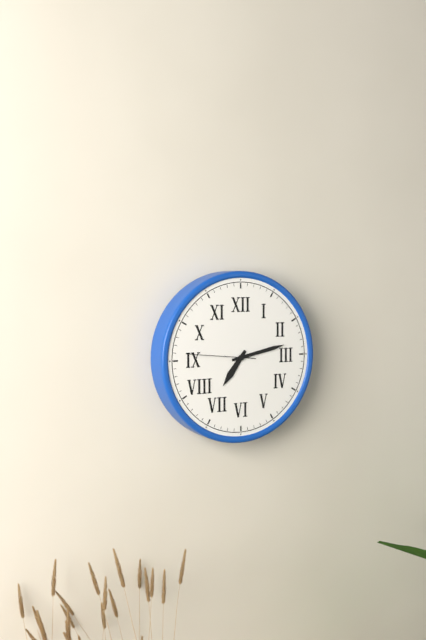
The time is {"hour": 7, "minute": 13, "second": 46}
